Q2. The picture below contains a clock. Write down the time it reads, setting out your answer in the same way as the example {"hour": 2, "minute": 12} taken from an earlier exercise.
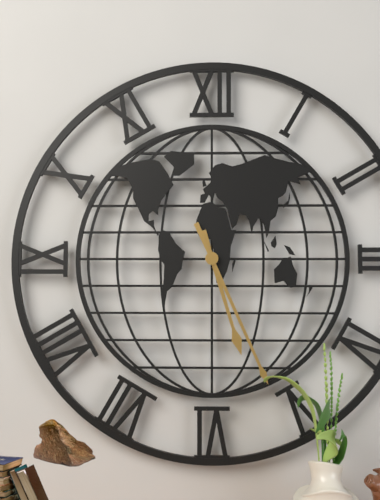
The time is {"hour": 5, "minute": 26}
